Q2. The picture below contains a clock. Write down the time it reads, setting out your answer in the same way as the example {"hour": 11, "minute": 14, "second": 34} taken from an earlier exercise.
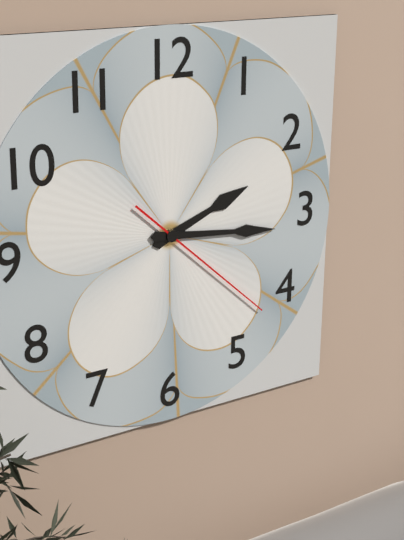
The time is {"hour": 2, "minute": 16, "second": 22}
